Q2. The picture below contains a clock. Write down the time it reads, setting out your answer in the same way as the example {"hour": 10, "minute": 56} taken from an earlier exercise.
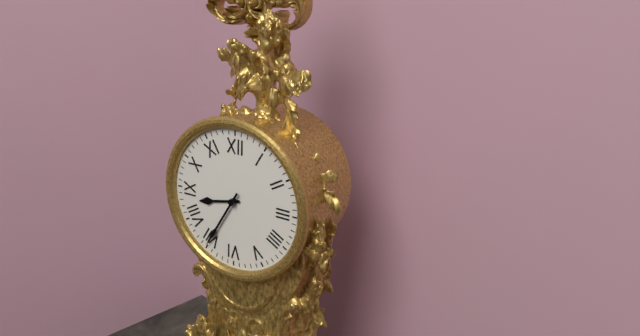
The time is {"hour": 8, "minute": 35}
